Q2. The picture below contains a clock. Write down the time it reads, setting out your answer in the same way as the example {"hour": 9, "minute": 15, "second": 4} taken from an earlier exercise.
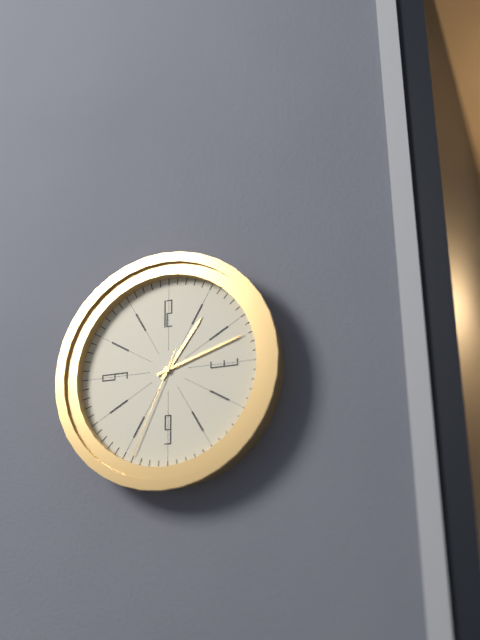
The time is {"hour": 1, "minute": 12, "second": 34}
